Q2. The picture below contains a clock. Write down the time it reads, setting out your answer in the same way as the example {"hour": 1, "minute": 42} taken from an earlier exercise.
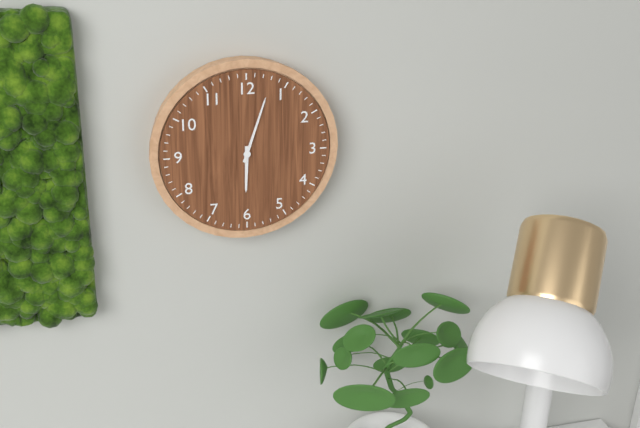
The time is {"hour": 6, "minute": 3}
